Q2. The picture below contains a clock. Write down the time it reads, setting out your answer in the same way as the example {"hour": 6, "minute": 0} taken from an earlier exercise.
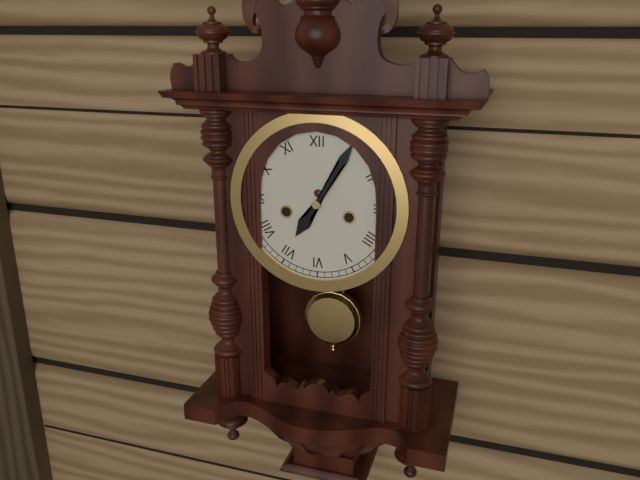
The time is {"hour": 7, "minute": 5}
